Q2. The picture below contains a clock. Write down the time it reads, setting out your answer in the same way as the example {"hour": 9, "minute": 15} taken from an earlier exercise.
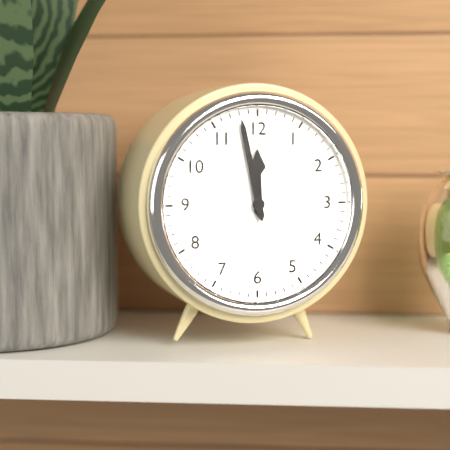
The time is {"hour": 11, "minute": 58}
